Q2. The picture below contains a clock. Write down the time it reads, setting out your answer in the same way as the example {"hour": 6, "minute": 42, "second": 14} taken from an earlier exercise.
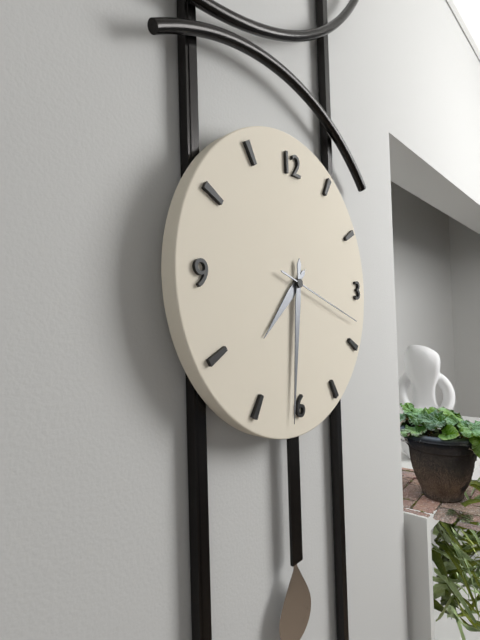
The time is {"hour": 7, "minute": 31, "second": 18}
